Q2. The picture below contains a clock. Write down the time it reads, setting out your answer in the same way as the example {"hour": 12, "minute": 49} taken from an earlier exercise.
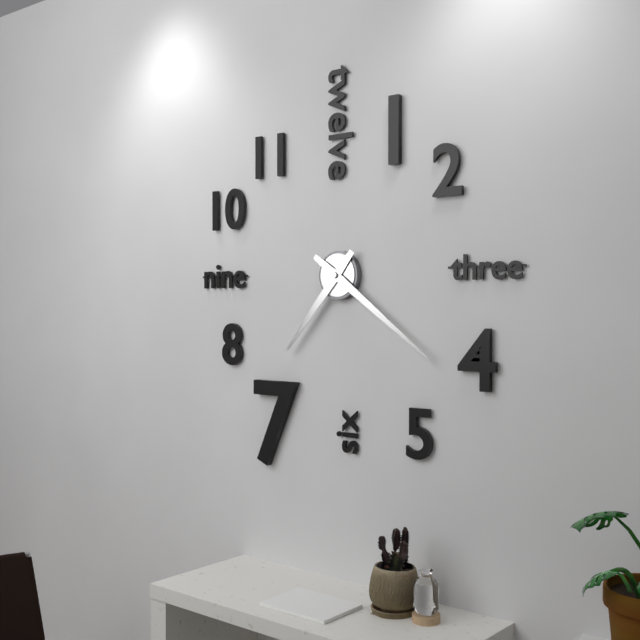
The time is {"hour": 7, "minute": 21}
